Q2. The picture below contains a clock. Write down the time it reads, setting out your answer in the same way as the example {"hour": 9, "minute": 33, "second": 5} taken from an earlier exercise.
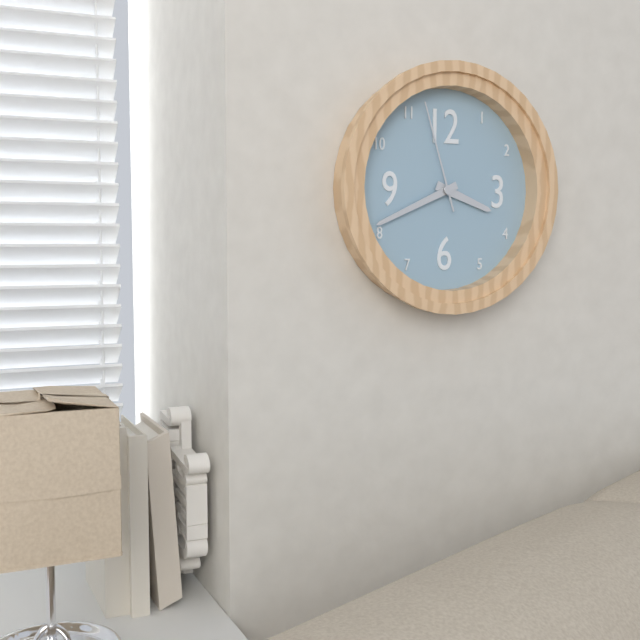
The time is {"hour": 3, "minute": 41, "second": 57}
